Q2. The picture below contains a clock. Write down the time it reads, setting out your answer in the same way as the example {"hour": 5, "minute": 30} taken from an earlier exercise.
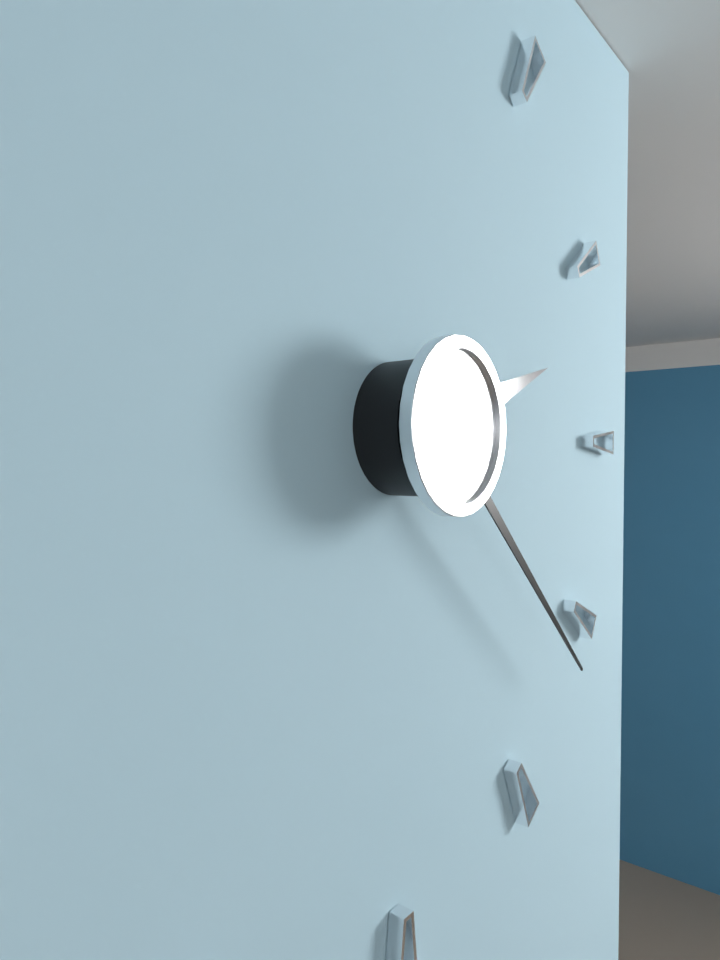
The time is {"hour": 2, "minute": 22}
